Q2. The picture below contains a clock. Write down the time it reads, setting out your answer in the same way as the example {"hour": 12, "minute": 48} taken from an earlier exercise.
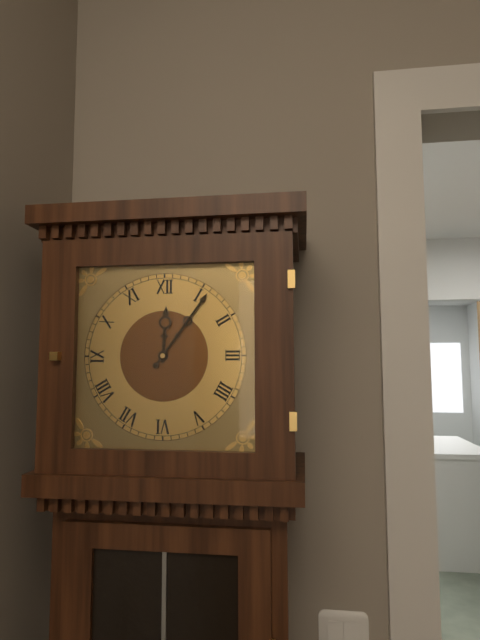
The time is {"hour": 12, "minute": 6}
